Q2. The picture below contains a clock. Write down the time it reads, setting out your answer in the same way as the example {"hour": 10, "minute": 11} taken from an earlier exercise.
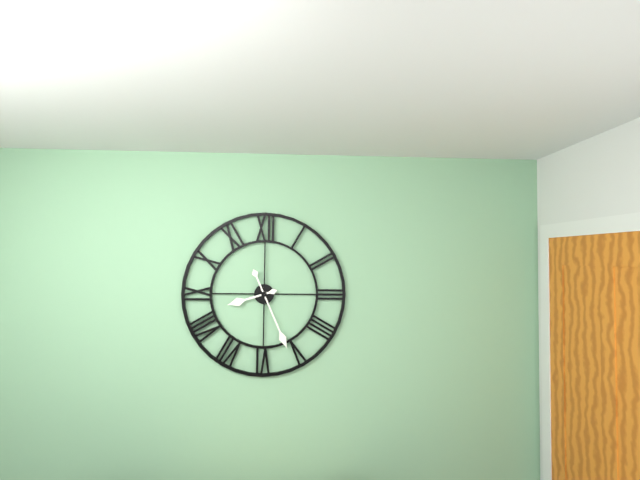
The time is {"hour": 8, "minute": 26}
